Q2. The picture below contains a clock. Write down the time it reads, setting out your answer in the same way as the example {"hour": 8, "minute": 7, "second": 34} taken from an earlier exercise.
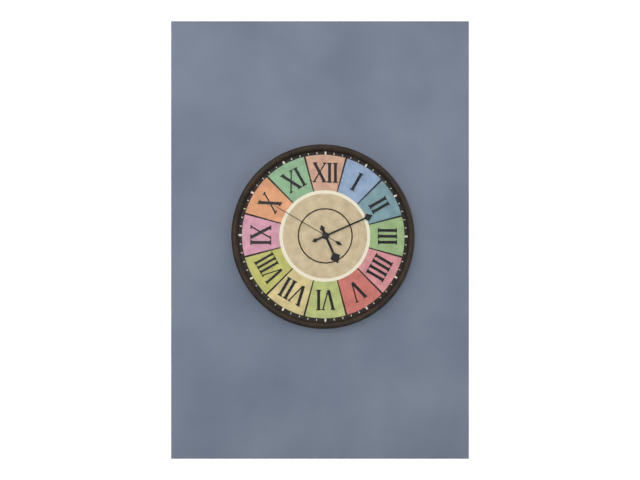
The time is {"hour": 5, "minute": 11, "second": 50}
